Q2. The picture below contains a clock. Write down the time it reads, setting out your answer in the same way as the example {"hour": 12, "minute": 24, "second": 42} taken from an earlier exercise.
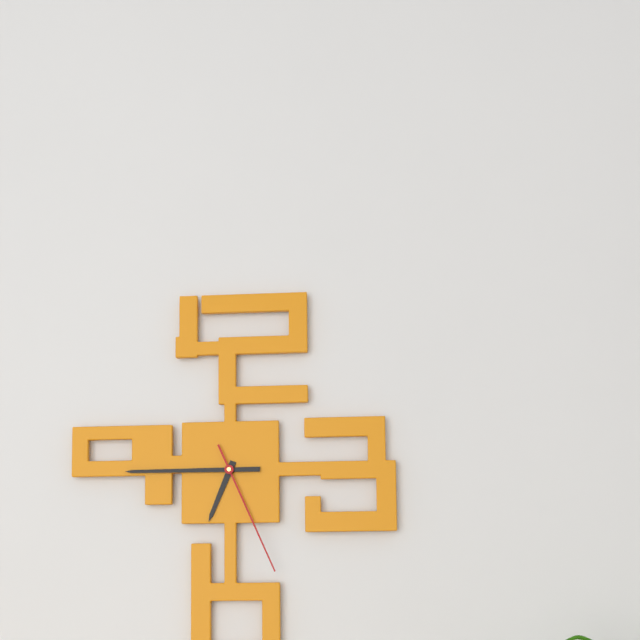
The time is {"hour": 6, "minute": 45, "second": 26}
